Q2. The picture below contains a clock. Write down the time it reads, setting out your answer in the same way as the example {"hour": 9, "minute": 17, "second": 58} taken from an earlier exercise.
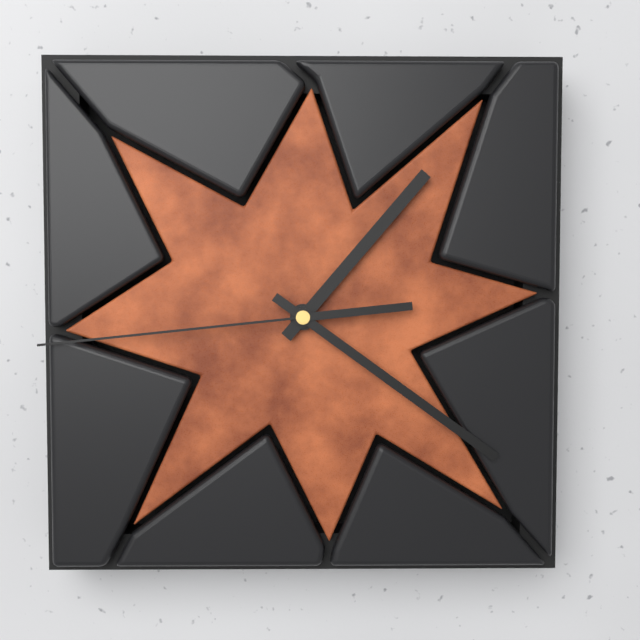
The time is {"hour": 1, "minute": 21, "second": 44}
